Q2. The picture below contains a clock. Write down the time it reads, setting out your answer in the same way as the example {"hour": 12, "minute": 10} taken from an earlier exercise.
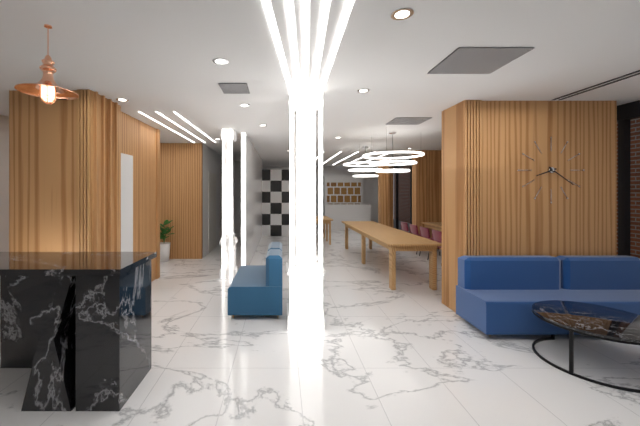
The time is {"hour": 8, "minute": 21}
